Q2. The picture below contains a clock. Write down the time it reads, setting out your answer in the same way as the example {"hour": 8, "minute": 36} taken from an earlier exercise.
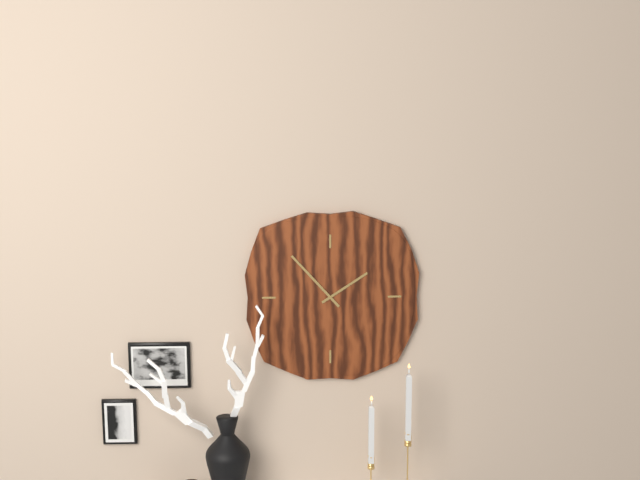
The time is {"hour": 1, "minute": 53}
